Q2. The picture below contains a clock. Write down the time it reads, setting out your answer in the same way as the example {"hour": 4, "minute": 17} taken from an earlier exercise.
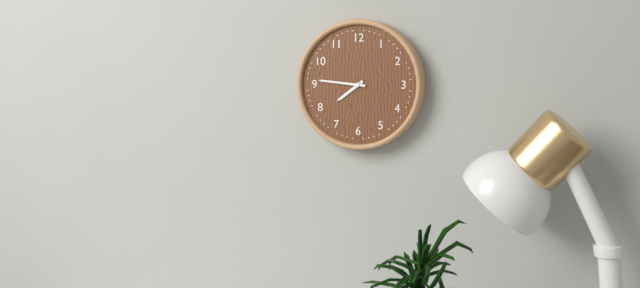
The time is {"hour": 7, "minute": 46}
